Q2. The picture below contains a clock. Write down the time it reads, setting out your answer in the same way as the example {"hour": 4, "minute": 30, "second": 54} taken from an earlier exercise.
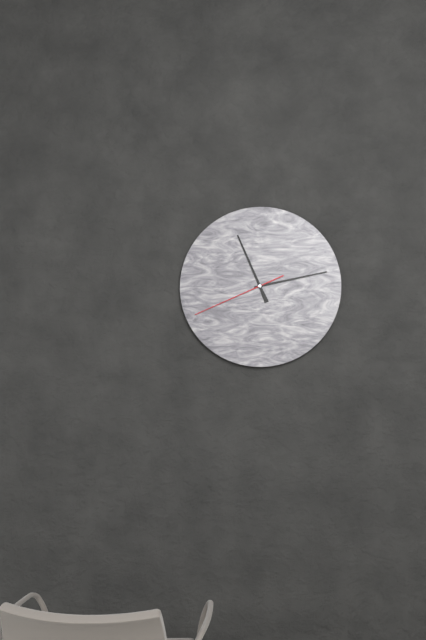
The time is {"hour": 11, "minute": 13, "second": 41}
